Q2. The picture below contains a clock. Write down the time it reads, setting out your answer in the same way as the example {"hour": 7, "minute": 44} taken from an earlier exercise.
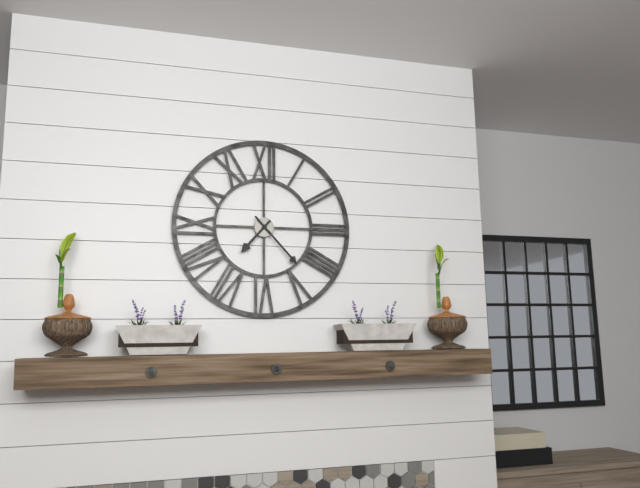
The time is {"hour": 7, "minute": 23}
